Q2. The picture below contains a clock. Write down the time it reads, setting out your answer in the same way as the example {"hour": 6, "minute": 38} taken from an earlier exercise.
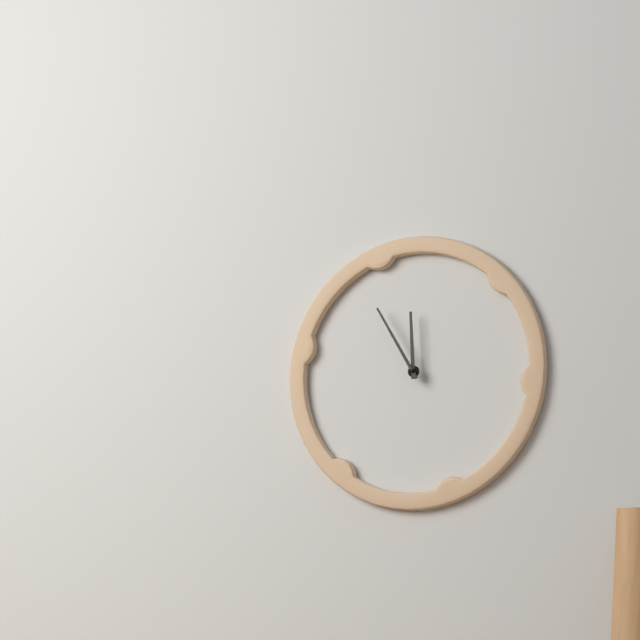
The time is {"hour": 11, "minute": 55}
